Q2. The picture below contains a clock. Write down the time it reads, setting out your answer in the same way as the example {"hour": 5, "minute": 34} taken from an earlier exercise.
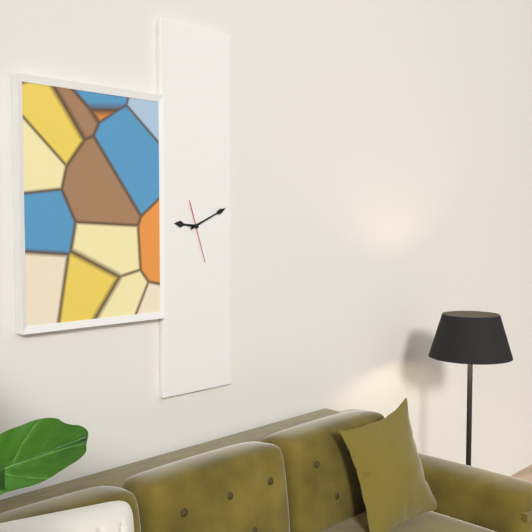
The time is {"hour": 9, "minute": 11}
